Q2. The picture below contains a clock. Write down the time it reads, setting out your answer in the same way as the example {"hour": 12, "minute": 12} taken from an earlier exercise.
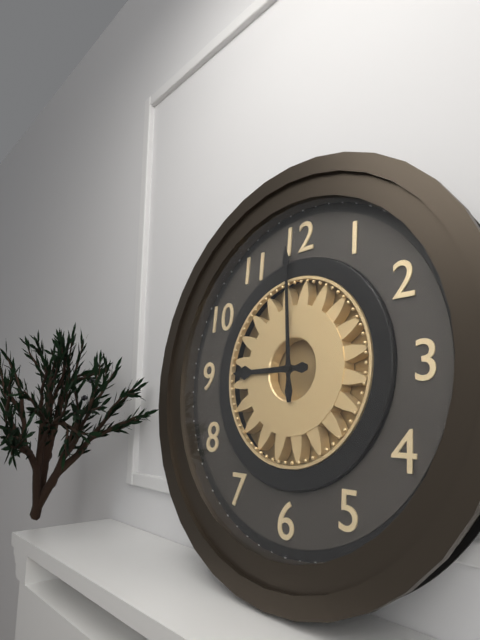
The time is {"hour": 8, "minute": 59}
